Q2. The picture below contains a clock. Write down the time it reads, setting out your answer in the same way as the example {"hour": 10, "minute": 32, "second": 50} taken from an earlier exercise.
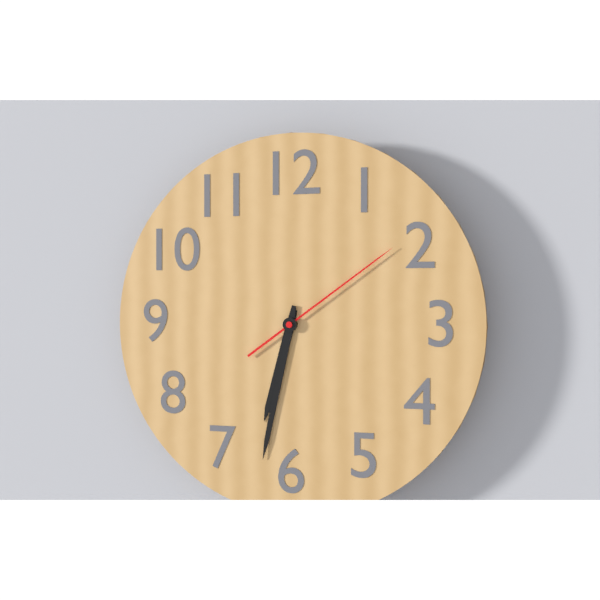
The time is {"hour": 6, "minute": 32, "second": 9}
